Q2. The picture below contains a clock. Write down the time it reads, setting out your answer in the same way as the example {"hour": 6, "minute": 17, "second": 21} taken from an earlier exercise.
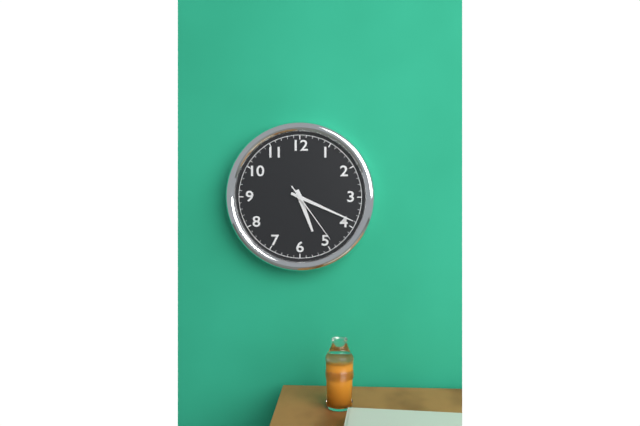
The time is {"hour": 5, "minute": 19, "second": 24}
